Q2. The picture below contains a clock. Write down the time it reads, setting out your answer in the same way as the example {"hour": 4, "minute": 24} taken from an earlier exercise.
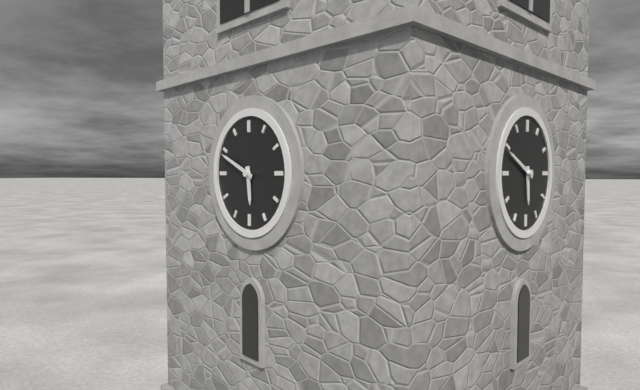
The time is {"hour": 5, "minute": 49}
